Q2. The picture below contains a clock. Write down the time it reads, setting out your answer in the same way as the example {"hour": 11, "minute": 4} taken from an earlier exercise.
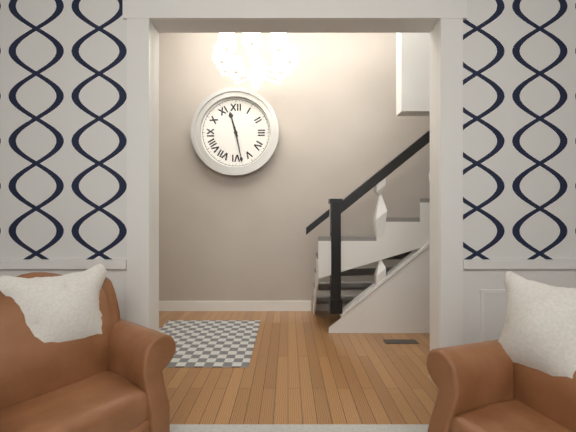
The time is {"hour": 11, "minute": 28}
